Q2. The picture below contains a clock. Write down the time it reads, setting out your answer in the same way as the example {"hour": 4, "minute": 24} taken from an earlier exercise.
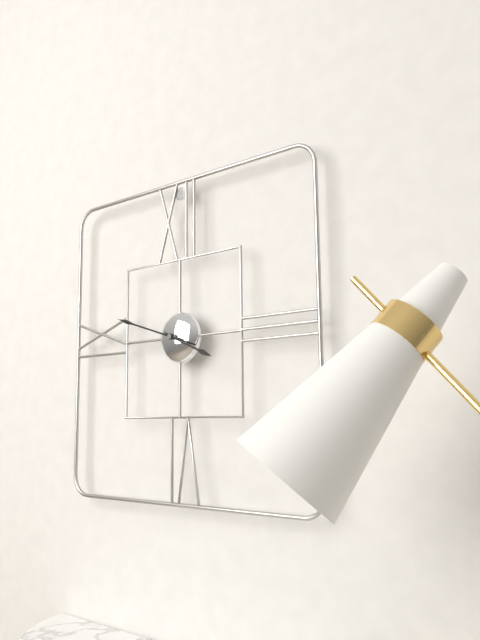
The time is {"hour": 3, "minute": 48}
